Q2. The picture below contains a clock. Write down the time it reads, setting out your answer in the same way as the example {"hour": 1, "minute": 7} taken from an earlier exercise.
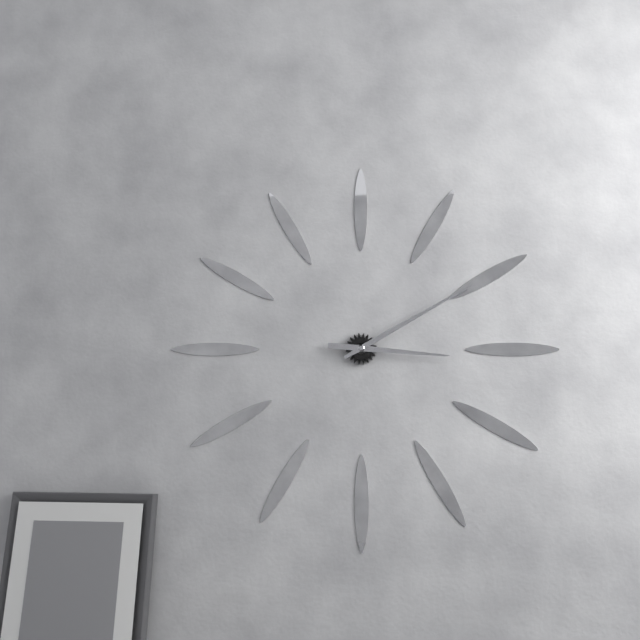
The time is {"hour": 3, "minute": 10}
